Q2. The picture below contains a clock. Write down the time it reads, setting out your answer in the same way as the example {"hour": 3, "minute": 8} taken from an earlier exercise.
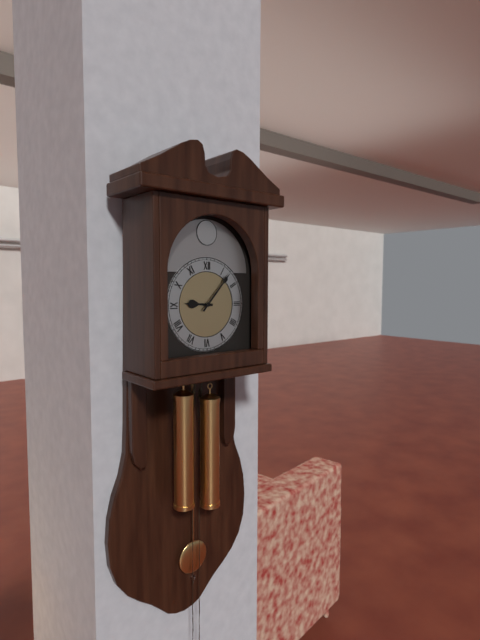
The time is {"hour": 9, "minute": 7}
